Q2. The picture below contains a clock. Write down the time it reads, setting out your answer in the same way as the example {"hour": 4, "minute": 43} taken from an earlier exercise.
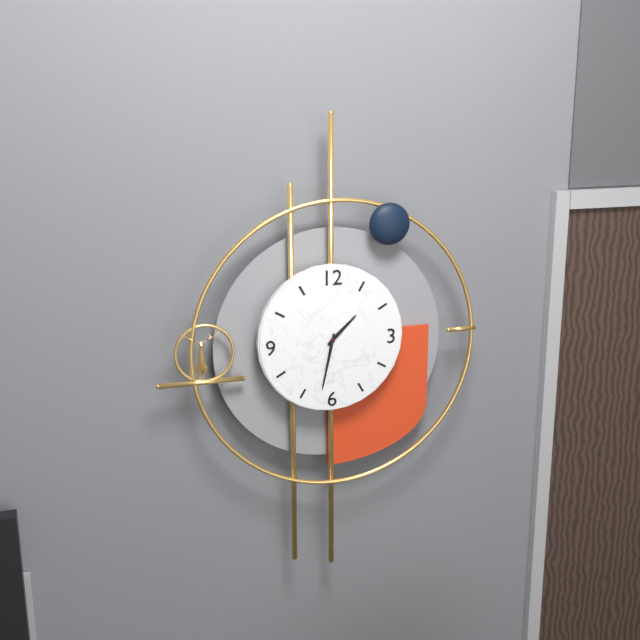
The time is {"hour": 1, "minute": 32}
